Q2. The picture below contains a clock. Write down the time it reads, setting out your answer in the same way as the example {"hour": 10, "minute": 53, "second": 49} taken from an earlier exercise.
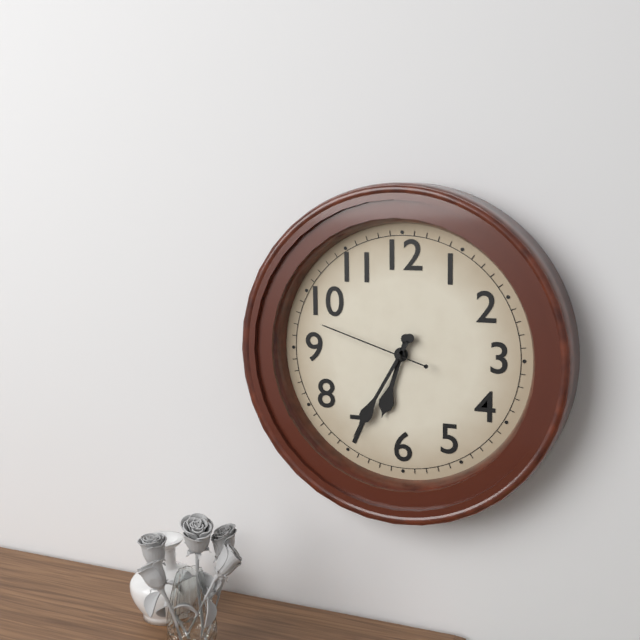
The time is {"hour": 6, "minute": 35, "second": 48}
